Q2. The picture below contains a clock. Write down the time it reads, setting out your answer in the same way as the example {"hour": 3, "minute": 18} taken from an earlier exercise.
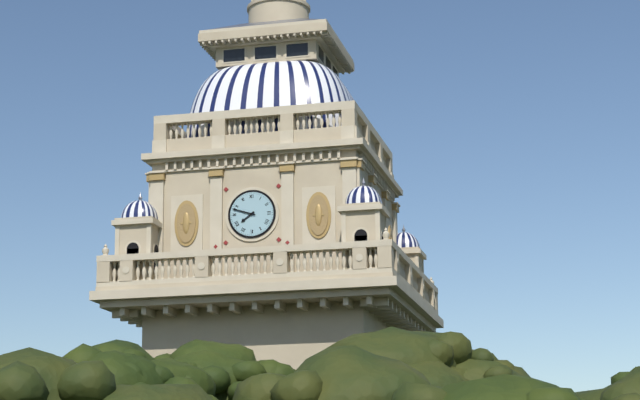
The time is {"hour": 7, "minute": 48}
